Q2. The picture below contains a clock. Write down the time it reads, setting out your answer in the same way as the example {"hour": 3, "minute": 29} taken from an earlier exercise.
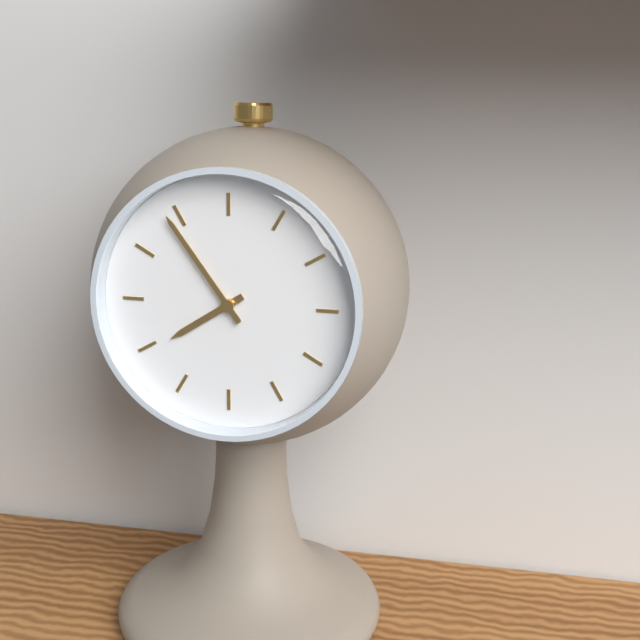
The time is {"hour": 7, "minute": 54}
